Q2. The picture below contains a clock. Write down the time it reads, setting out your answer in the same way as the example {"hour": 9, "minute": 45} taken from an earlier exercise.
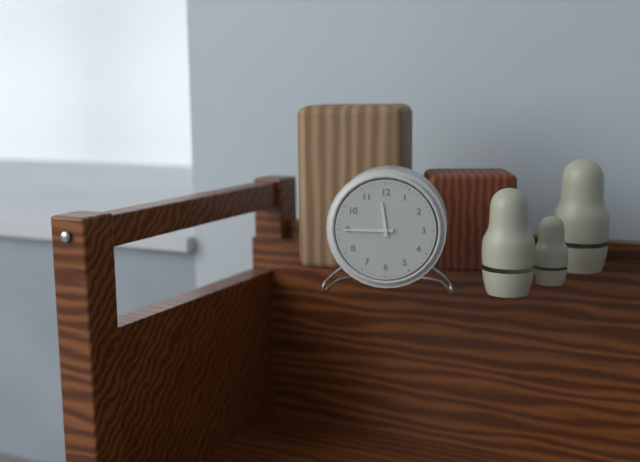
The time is {"hour": 11, "minute": 45}
